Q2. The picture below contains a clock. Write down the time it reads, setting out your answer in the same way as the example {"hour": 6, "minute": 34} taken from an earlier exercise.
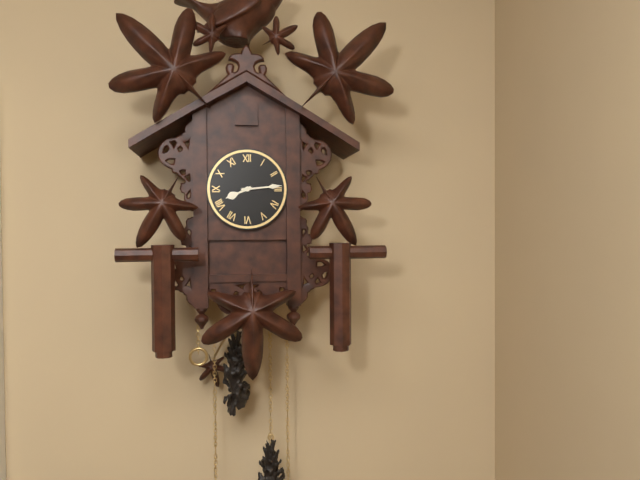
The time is {"hour": 8, "minute": 14}
